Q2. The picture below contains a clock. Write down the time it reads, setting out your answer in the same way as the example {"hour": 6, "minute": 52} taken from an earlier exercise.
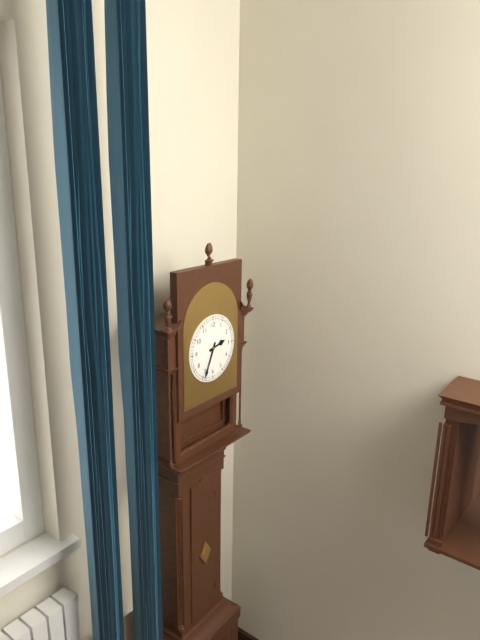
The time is {"hour": 2, "minute": 34}
